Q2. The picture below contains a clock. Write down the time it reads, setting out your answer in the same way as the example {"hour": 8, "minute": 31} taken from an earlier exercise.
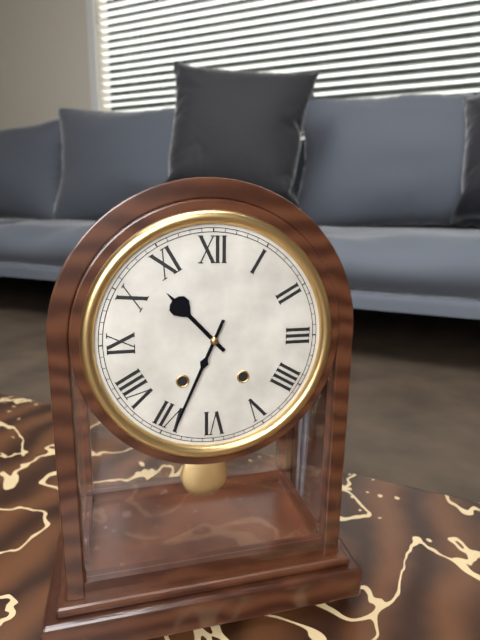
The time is {"hour": 10, "minute": 34}
